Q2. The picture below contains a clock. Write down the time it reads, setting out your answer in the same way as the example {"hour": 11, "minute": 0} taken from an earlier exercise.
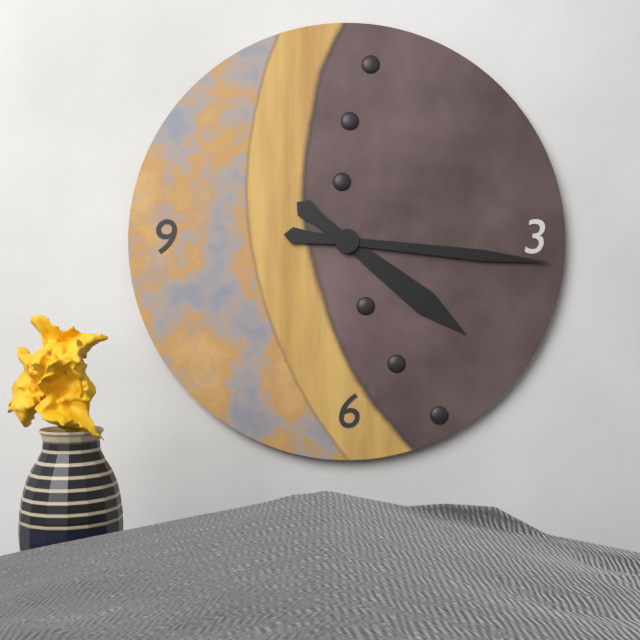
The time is {"hour": 4, "minute": 16}
